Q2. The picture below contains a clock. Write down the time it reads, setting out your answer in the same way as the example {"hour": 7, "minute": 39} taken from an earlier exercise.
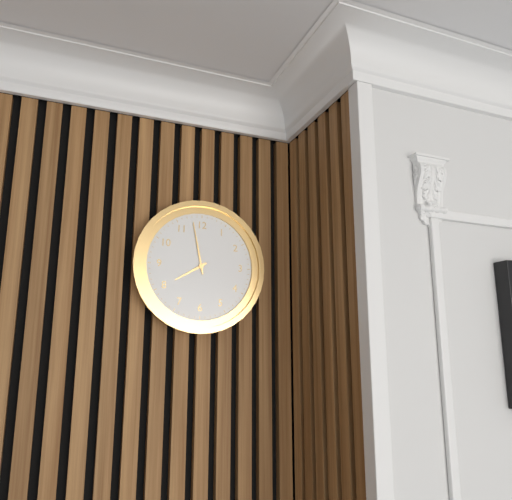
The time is {"hour": 7, "minute": 58}
